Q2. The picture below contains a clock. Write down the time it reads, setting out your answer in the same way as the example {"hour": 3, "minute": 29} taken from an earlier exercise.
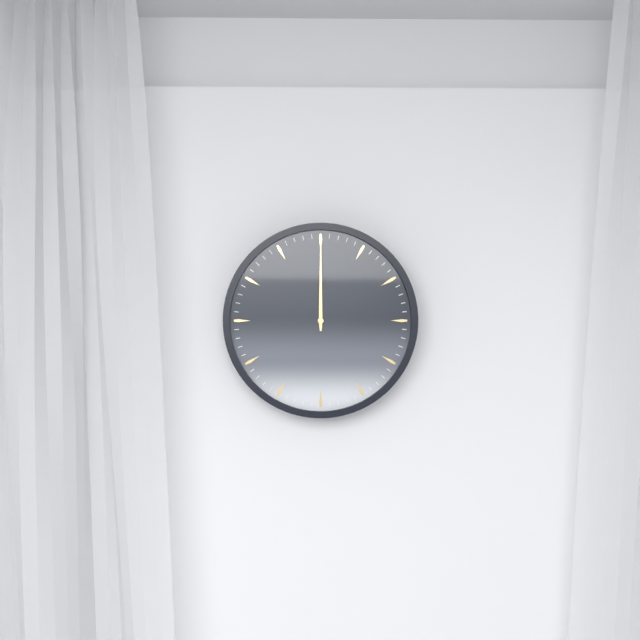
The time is {"hour": 12, "minute": 0}
